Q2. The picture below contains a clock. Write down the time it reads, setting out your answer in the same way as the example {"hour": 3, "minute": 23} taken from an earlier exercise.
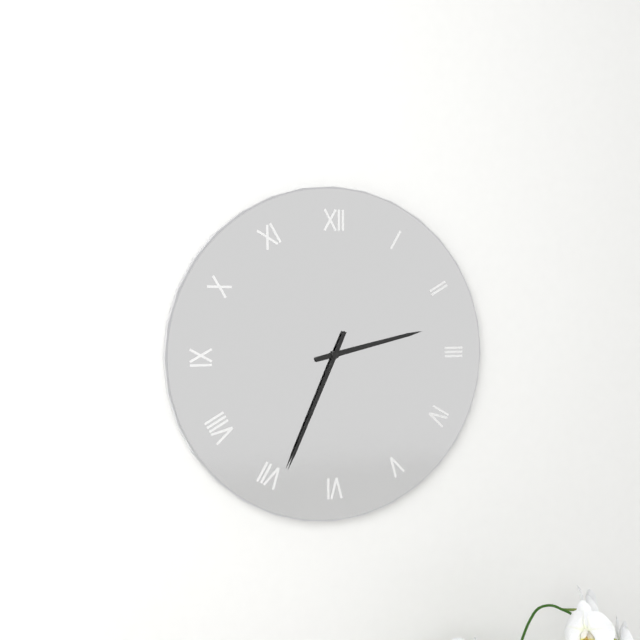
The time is {"hour": 2, "minute": 34}
